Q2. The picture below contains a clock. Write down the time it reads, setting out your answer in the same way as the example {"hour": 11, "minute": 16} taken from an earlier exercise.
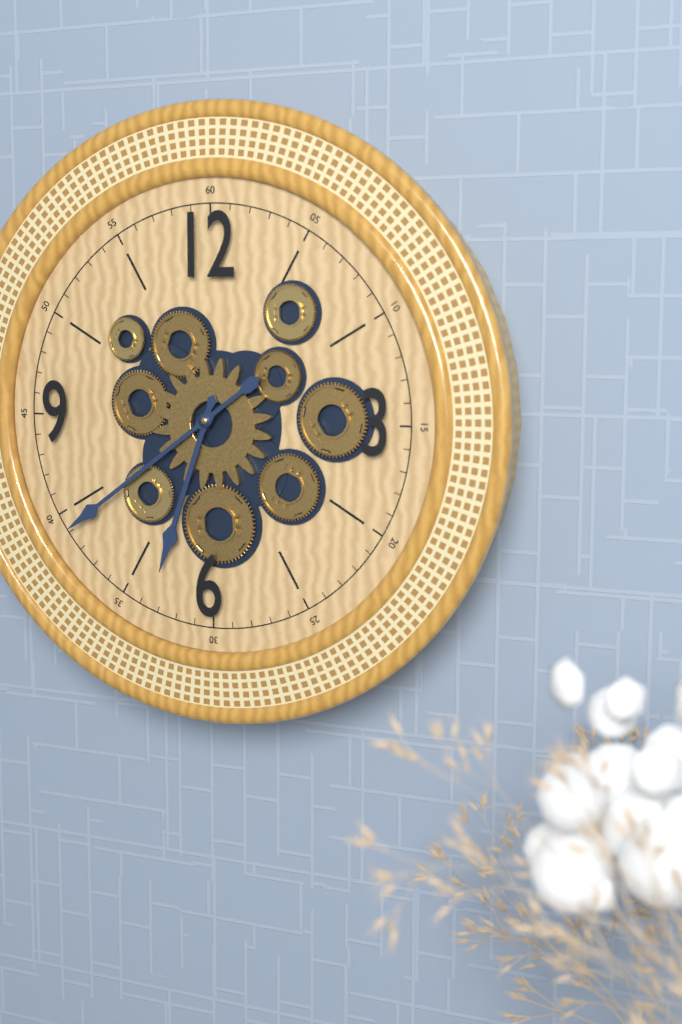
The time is {"hour": 6, "minute": 39}
